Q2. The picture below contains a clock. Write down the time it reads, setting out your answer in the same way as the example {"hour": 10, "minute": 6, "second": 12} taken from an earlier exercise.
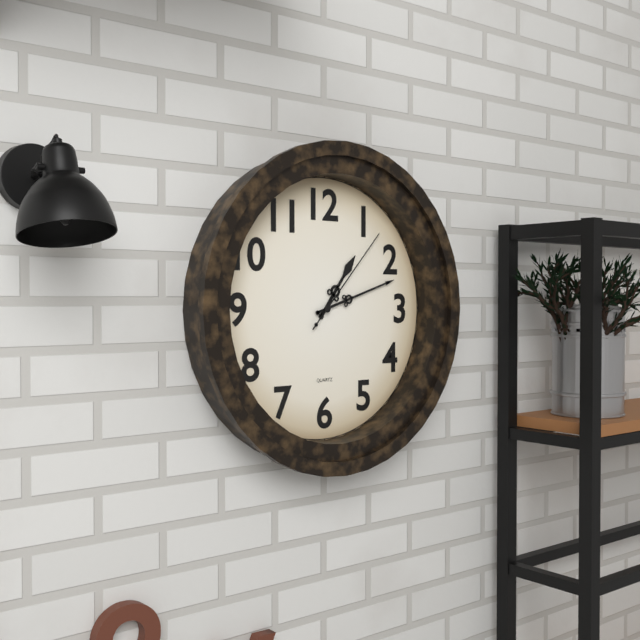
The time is {"hour": 1, "minute": 12, "second": 7}
